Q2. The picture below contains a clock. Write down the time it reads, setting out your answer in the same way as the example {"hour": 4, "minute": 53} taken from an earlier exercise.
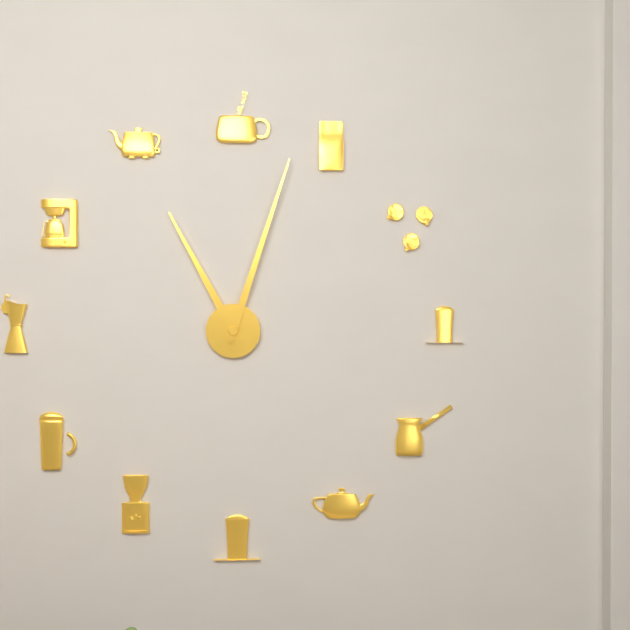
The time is {"hour": 11, "minute": 3}
